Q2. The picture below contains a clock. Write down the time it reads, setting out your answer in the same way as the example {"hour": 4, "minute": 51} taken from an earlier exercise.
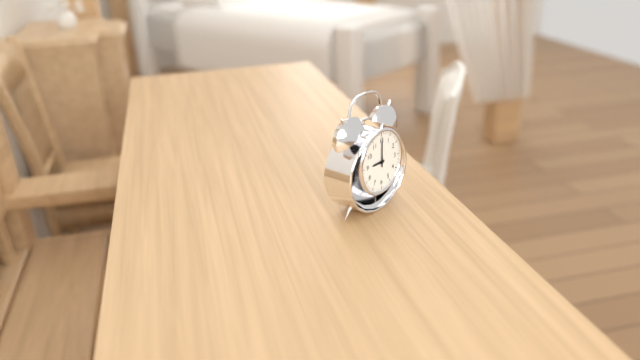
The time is {"hour": 9, "minute": 0}
